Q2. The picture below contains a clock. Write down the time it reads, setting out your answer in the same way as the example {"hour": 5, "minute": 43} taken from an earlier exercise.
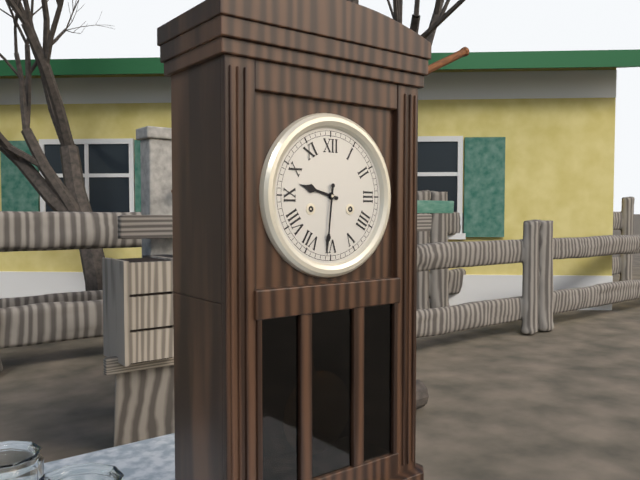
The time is {"hour": 9, "minute": 31}
